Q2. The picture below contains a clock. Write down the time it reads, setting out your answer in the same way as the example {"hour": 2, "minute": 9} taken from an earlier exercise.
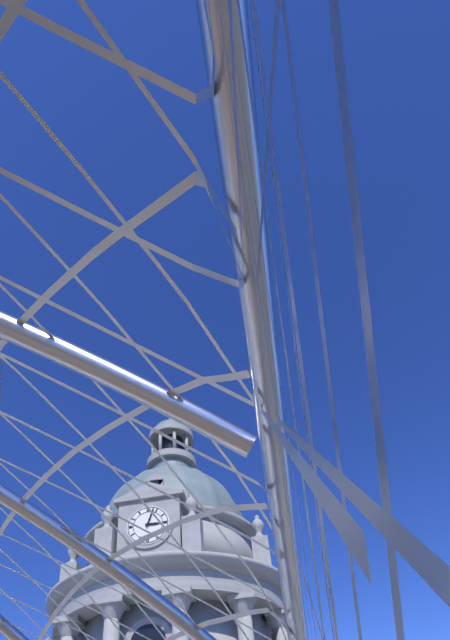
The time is {"hour": 3, "minute": 3}
